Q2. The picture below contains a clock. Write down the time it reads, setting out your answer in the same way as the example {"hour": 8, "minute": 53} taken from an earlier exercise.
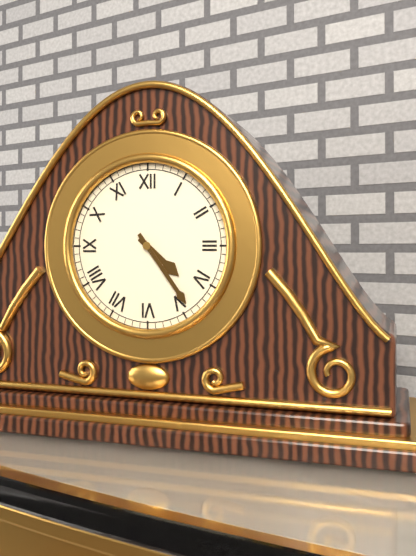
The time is {"hour": 4, "minute": 24}
